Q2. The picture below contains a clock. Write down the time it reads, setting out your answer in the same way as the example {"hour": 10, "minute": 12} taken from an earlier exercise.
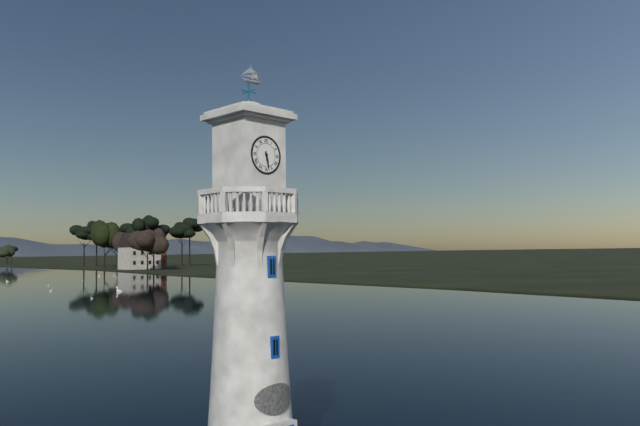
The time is {"hour": 5, "minute": 28}
